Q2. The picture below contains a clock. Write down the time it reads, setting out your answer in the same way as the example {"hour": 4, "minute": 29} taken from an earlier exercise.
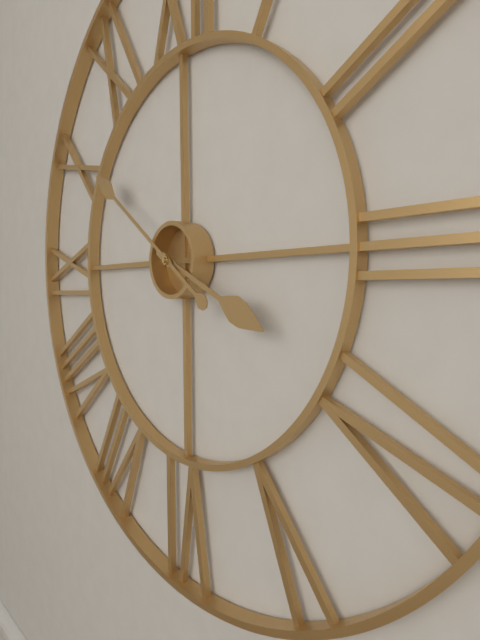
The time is {"hour": 3, "minute": 51}
